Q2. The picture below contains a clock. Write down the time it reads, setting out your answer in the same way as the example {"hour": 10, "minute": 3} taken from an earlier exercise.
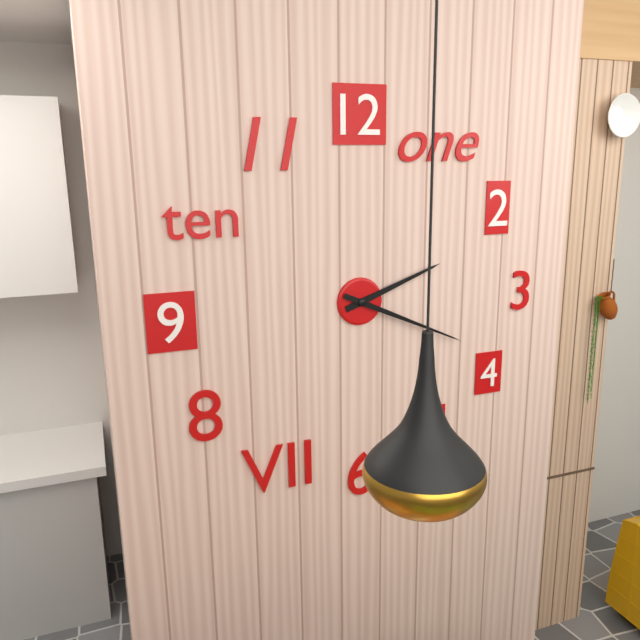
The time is {"hour": 2, "minute": 19}
